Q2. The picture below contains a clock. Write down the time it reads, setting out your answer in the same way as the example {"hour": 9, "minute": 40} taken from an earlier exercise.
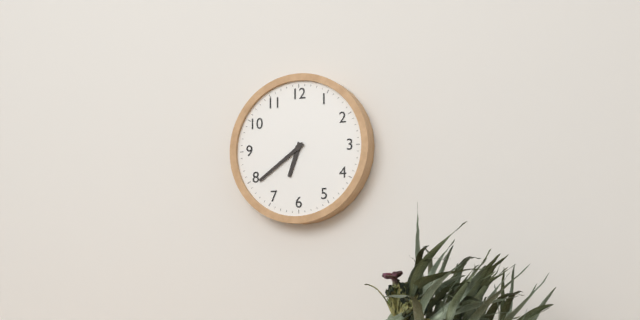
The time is {"hour": 6, "minute": 39}
